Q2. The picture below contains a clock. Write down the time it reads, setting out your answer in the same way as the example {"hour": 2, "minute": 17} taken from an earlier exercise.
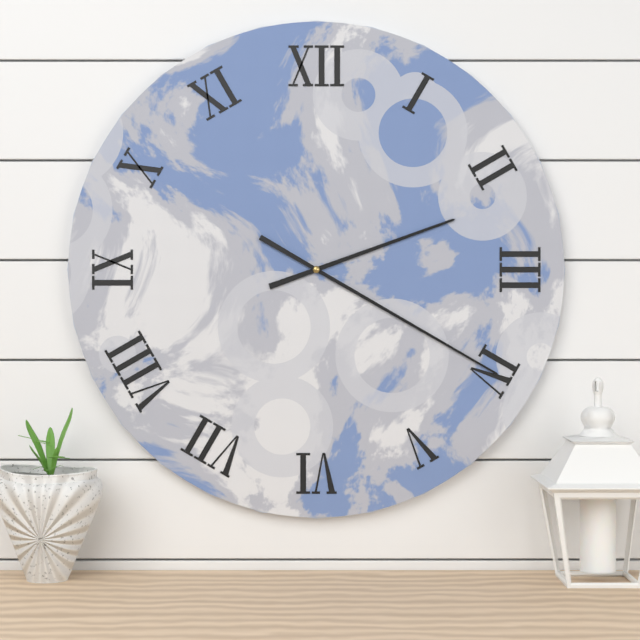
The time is {"hour": 2, "minute": 20}
